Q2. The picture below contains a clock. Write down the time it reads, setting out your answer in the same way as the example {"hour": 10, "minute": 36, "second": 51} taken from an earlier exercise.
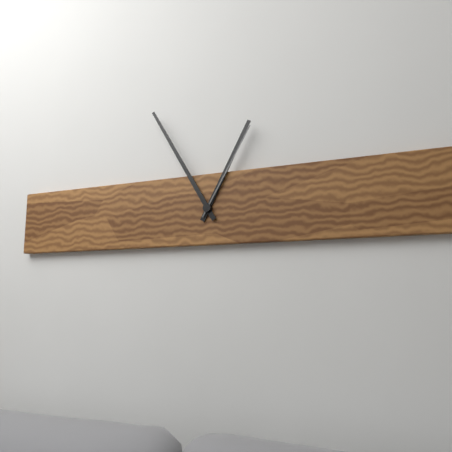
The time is {"hour": 12, "minute": 55, "second": 5}
